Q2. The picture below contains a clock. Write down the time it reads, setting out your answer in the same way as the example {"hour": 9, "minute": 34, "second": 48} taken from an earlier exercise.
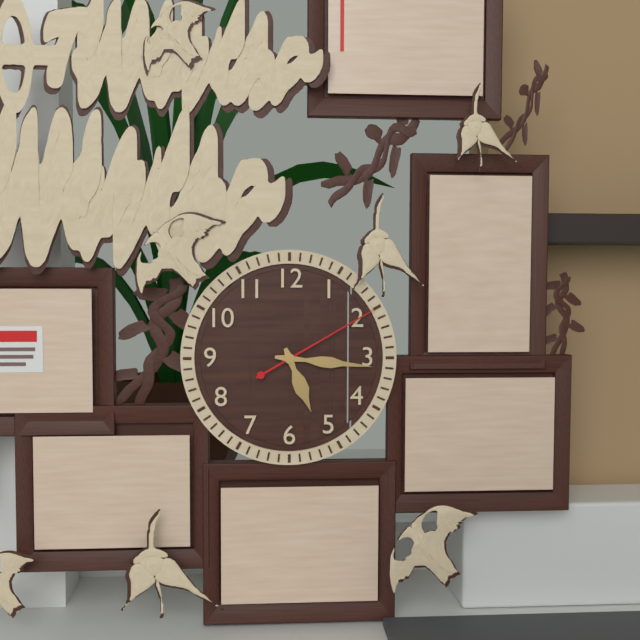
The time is {"hour": 5, "minute": 16, "second": 10}
